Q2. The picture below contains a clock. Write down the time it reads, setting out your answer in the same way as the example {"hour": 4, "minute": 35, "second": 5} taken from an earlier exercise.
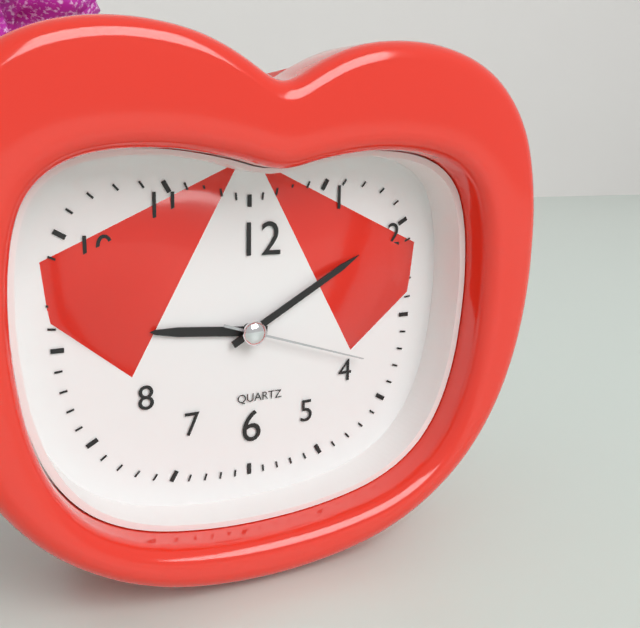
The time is {"hour": 9, "minute": 10, "second": 18}
